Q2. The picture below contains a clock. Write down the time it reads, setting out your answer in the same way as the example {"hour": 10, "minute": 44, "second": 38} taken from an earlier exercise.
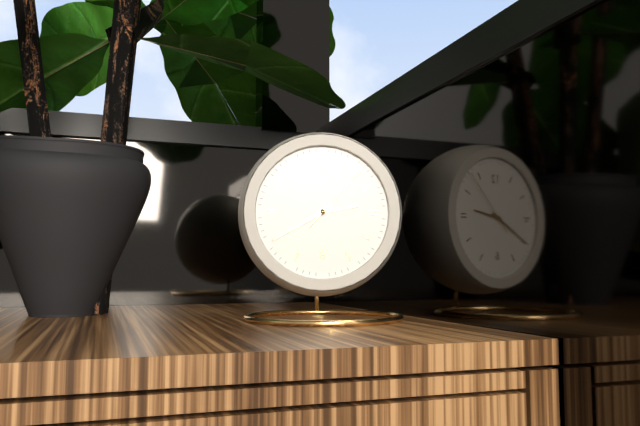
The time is {"hour": 2, "minute": 40, "second": 7}
